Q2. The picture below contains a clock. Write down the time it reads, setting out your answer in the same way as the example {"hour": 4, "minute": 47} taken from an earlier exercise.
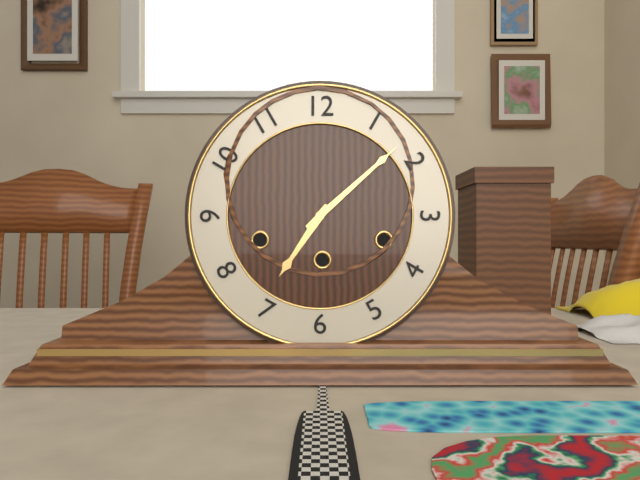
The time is {"hour": 7, "minute": 8}
